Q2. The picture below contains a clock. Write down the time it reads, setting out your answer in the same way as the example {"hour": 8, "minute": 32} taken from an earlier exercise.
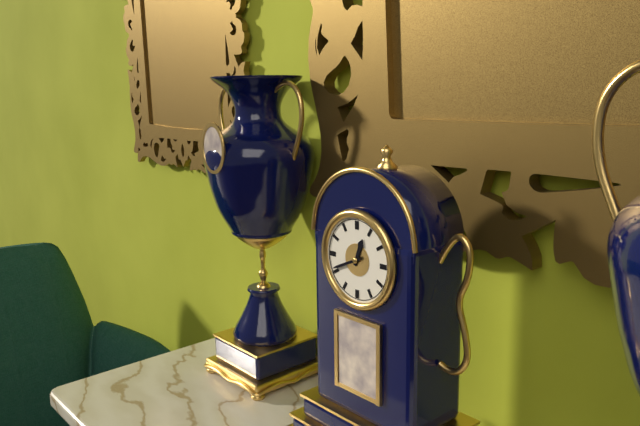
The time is {"hour": 12, "minute": 41}
